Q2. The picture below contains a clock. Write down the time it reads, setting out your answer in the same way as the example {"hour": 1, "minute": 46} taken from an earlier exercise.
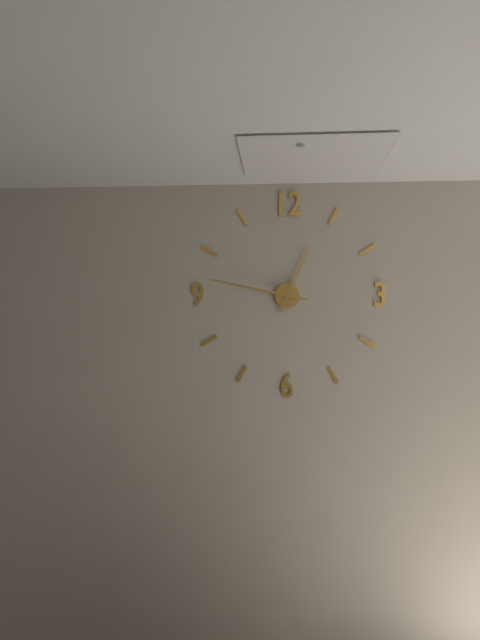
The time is {"hour": 12, "minute": 47}
